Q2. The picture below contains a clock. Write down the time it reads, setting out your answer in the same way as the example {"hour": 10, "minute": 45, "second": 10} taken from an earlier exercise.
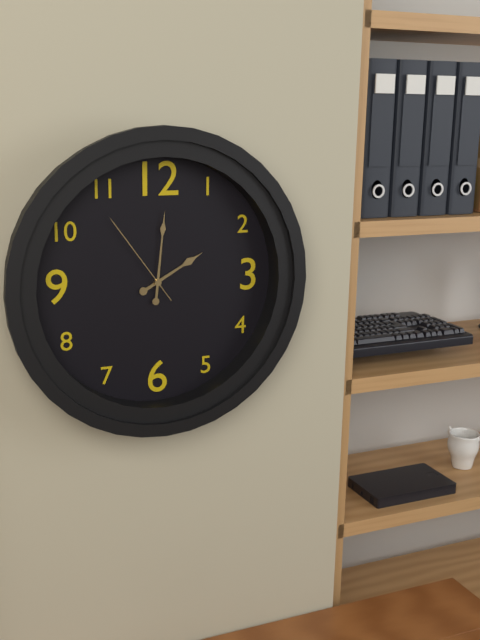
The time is {"hour": 2, "minute": 1, "second": 54}
